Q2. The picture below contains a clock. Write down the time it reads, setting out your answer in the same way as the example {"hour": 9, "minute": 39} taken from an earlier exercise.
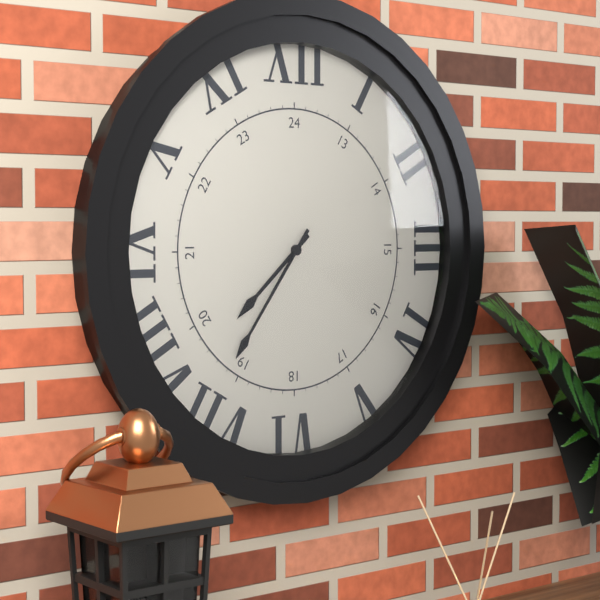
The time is {"hour": 7, "minute": 36}
